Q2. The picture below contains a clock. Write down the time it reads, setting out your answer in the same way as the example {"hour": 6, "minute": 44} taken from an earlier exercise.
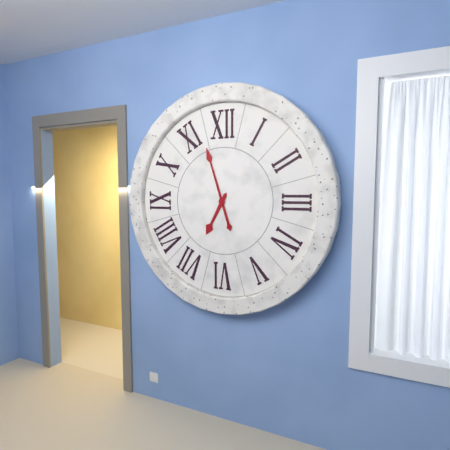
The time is {"hour": 6, "minute": 57}
